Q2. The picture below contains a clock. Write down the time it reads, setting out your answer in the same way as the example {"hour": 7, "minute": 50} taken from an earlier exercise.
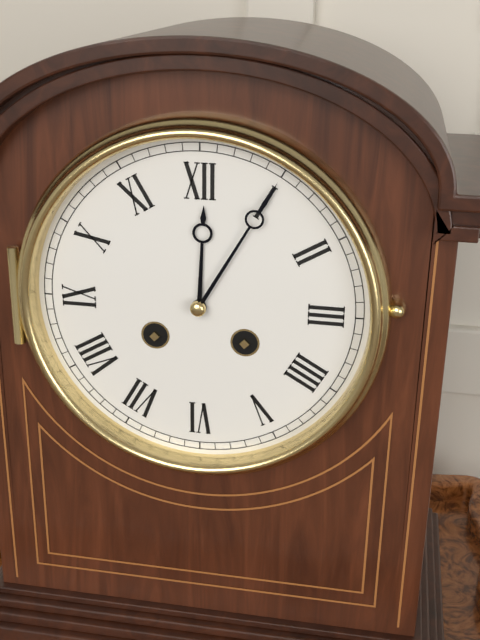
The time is {"hour": 12, "minute": 5}
